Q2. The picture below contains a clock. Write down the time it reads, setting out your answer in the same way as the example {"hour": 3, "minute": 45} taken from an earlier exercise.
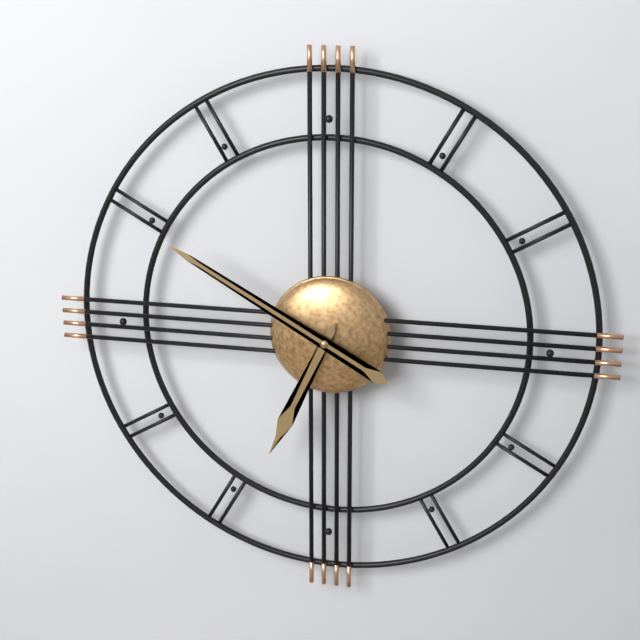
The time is {"hour": 6, "minute": 50}
